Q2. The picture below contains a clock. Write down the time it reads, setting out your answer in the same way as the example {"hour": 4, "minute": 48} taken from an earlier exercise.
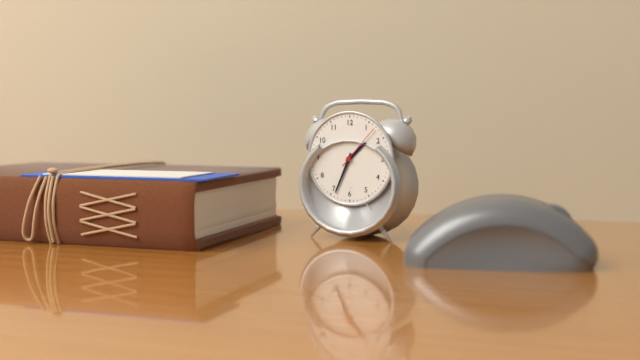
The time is {"hour": 1, "minute": 34}
